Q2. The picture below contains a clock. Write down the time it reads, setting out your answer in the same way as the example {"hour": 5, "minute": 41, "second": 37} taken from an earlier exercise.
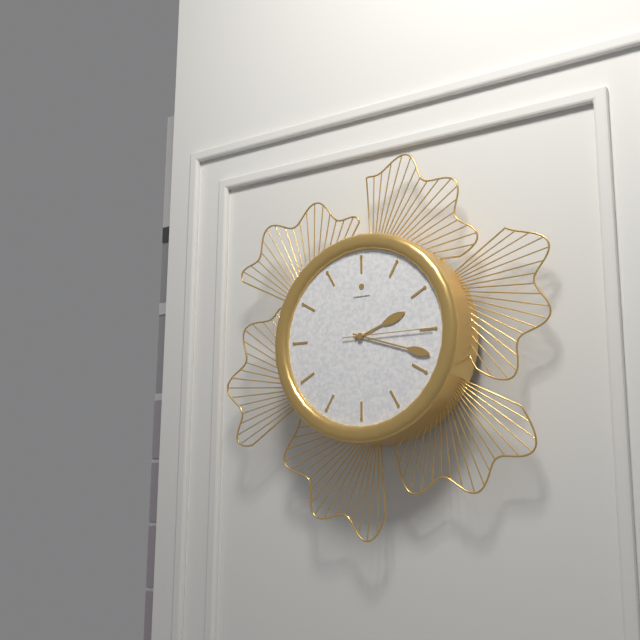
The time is {"hour": 2, "minute": 18, "second": 15}
